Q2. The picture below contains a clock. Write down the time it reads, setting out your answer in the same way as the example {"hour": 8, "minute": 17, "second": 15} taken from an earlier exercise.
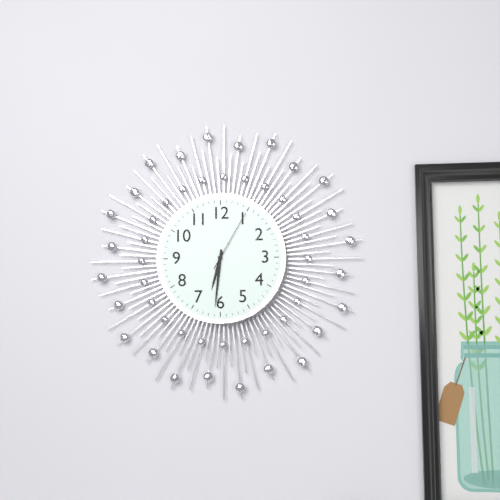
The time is {"hour": 6, "minute": 31, "second": 5}
